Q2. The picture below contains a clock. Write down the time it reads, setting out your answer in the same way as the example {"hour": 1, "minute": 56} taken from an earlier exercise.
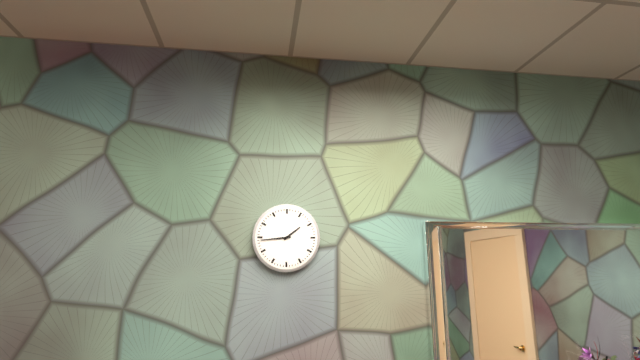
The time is {"hour": 1, "minute": 44}
